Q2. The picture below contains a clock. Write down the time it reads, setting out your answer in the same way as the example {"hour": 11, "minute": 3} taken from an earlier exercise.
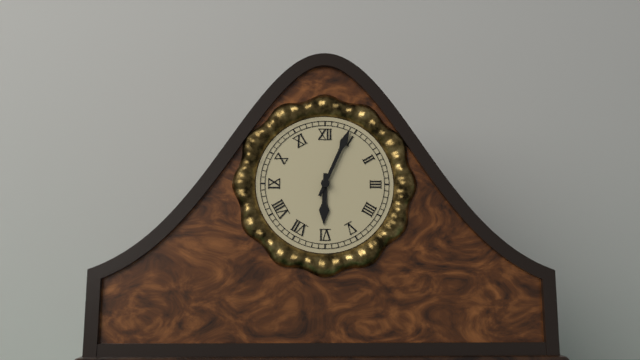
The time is {"hour": 6, "minute": 4}
